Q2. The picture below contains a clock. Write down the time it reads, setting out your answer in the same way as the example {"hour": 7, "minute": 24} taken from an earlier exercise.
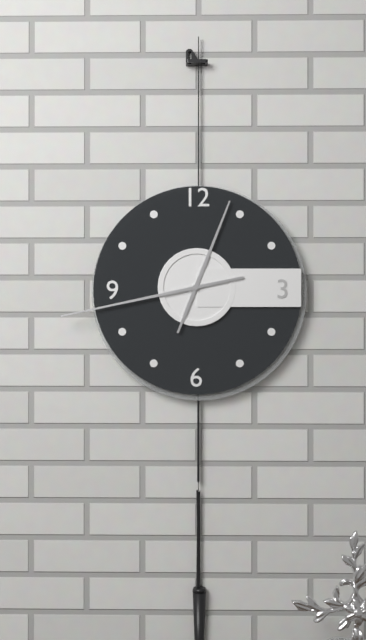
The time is {"hour": 12, "minute": 43}
